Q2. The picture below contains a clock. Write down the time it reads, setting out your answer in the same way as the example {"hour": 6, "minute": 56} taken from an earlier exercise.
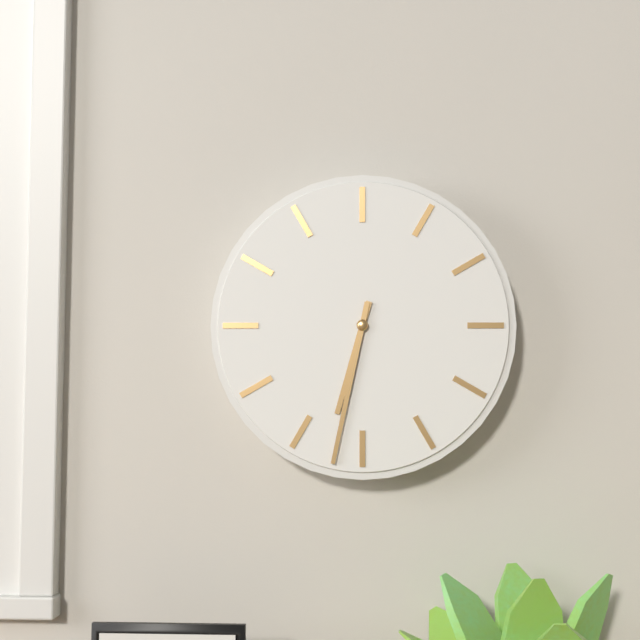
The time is {"hour": 6, "minute": 32}
